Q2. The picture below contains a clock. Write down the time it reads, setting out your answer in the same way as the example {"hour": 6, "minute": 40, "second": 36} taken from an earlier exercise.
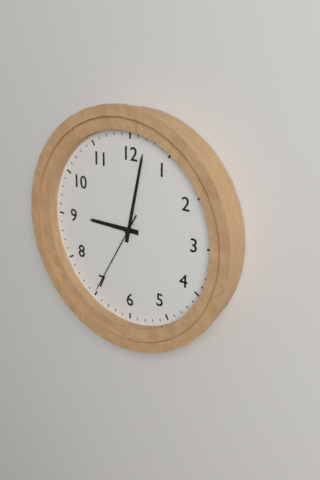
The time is {"hour": 9, "minute": 2, "second": 35}
